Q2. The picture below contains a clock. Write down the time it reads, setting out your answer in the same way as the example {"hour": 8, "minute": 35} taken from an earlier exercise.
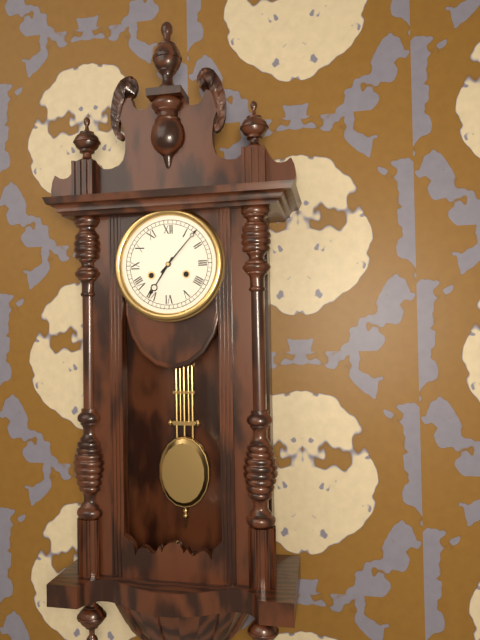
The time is {"hour": 7, "minute": 7}
